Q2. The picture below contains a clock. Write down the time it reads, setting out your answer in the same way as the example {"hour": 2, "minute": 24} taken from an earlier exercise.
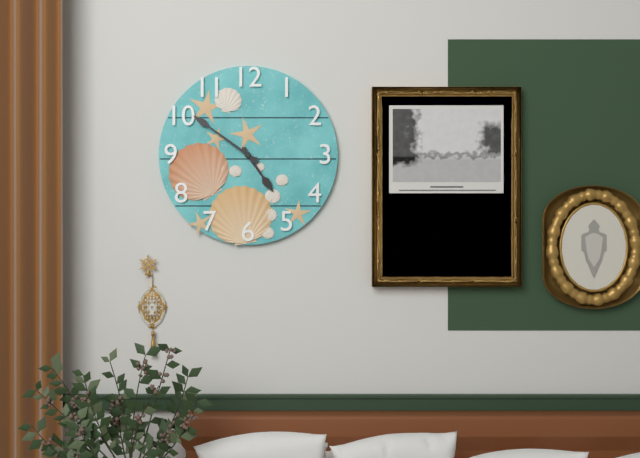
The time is {"hour": 4, "minute": 51}
